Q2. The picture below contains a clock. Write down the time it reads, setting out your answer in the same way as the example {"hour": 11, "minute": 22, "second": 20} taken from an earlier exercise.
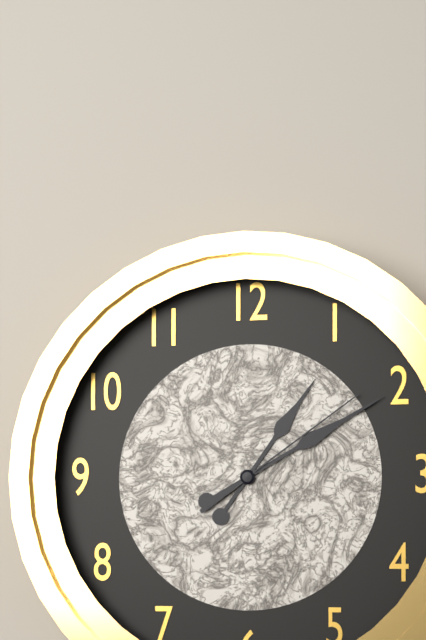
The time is {"hour": 1, "minute": 10, "second": 9}
